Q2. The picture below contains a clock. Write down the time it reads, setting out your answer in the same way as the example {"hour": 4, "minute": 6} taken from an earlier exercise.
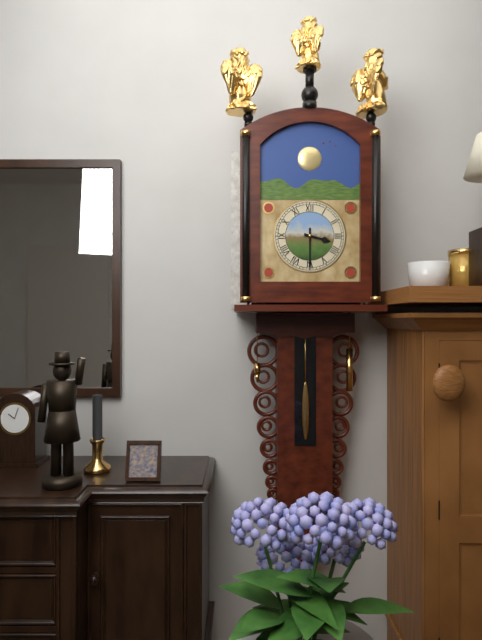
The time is {"hour": 3, "minute": 30}
